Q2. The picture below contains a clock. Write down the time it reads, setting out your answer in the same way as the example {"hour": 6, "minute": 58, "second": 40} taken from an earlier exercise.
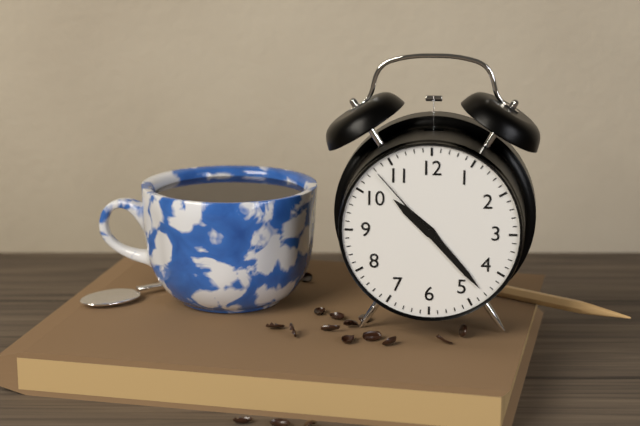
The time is {"hour": 10, "minute": 23, "second": 53}
